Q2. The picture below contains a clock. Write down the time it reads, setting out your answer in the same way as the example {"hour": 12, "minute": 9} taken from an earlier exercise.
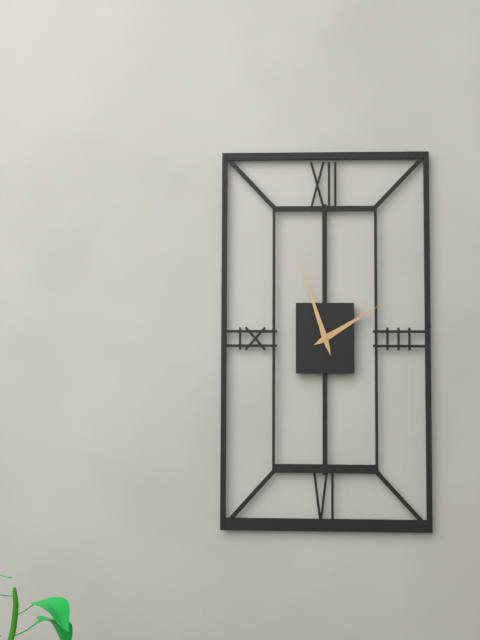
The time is {"hour": 1, "minute": 57}
